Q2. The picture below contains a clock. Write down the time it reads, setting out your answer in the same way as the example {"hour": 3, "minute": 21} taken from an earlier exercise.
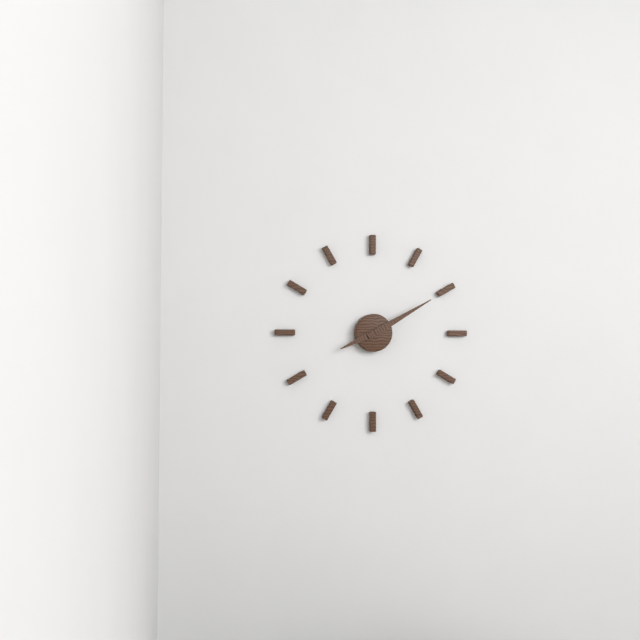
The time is {"hour": 8, "minute": 10}
